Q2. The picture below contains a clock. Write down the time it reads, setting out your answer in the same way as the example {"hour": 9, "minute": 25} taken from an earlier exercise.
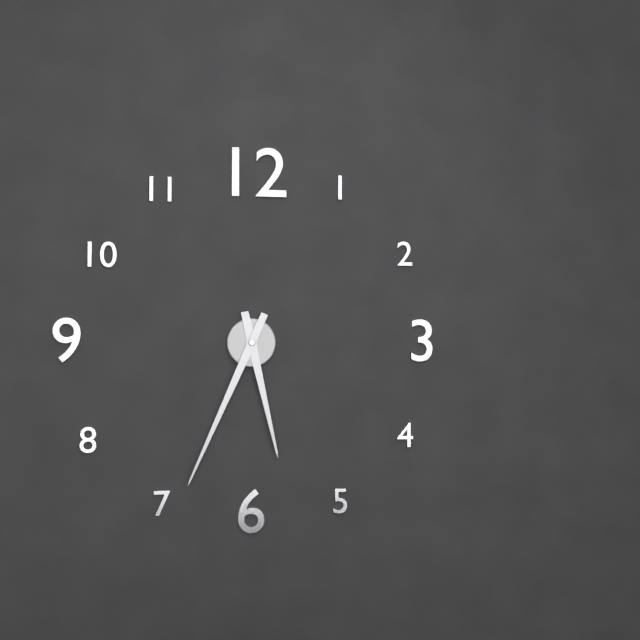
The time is {"hour": 5, "minute": 34}
